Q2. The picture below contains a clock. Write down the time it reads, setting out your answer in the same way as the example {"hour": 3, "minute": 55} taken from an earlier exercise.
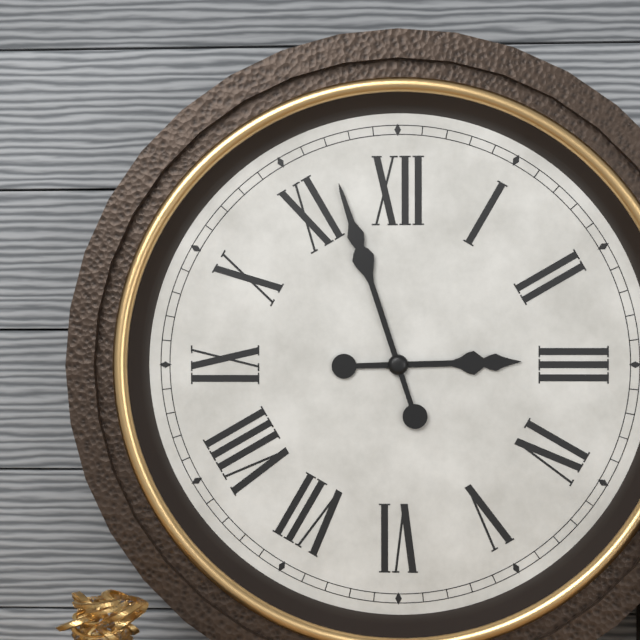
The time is {"hour": 2, "minute": 57}
